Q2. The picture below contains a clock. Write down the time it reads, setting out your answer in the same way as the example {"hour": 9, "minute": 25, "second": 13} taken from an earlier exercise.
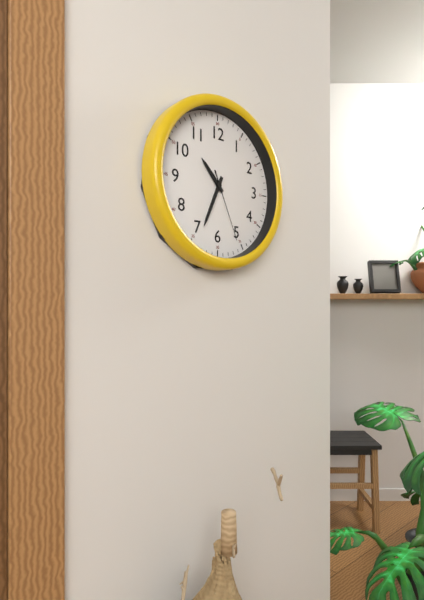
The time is {"hour": 10, "minute": 34, "second": 26}
